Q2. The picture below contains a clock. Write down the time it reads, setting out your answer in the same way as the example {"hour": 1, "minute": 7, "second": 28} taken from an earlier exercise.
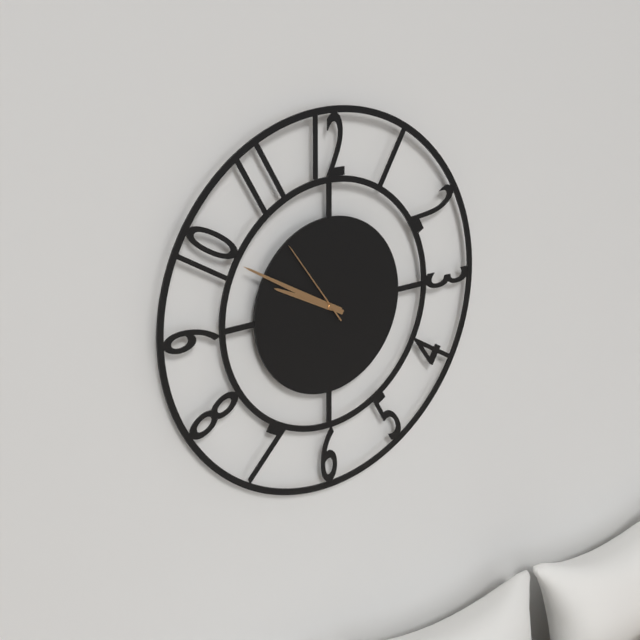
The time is {"hour": 9, "minute": 50, "second": 54}
